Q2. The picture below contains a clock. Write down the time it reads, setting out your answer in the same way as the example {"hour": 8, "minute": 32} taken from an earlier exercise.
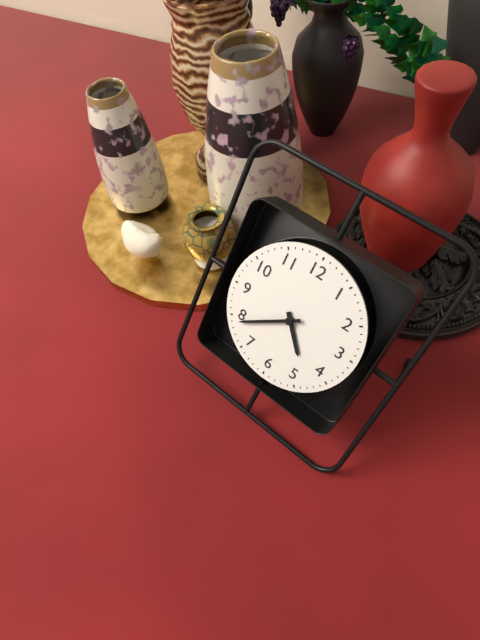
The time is {"hour": 4, "minute": 39}
